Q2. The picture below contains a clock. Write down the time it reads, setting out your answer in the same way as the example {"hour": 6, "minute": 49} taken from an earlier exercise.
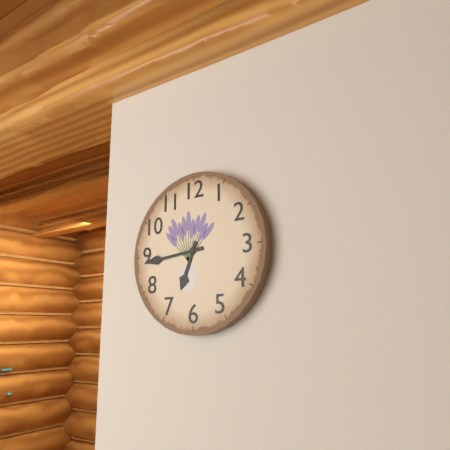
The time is {"hour": 6, "minute": 44}
